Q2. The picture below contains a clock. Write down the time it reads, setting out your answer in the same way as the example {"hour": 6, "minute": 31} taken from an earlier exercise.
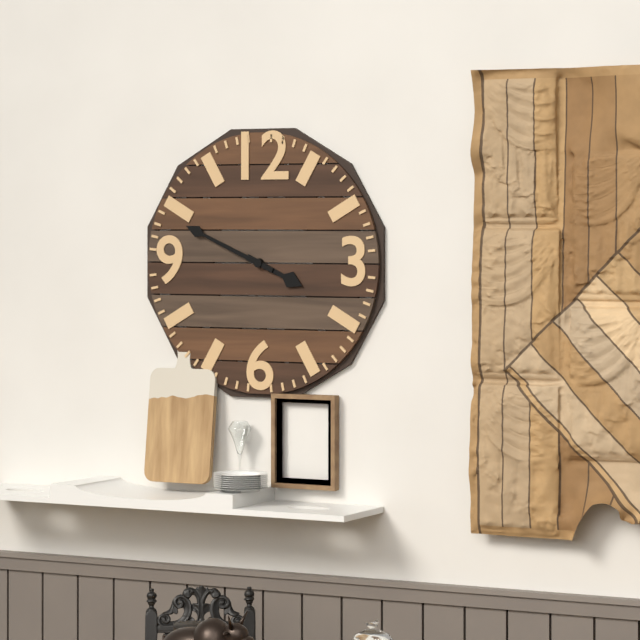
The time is {"hour": 3, "minute": 49}
